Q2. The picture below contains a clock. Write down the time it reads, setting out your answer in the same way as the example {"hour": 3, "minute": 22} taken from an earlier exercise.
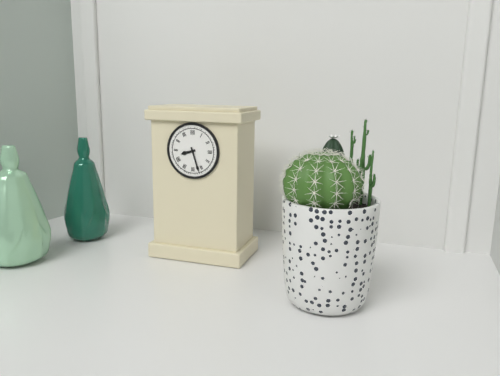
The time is {"hour": 8, "minute": 27}
